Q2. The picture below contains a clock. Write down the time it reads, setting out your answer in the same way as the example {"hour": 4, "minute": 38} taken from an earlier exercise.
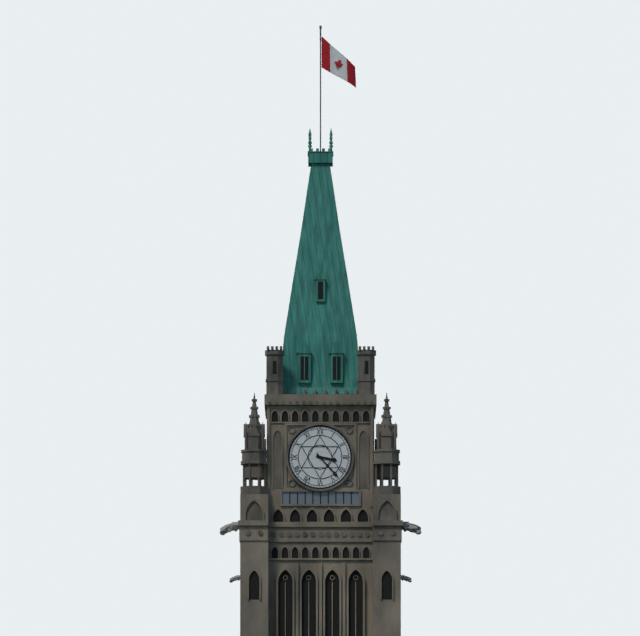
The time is {"hour": 3, "minute": 23}
